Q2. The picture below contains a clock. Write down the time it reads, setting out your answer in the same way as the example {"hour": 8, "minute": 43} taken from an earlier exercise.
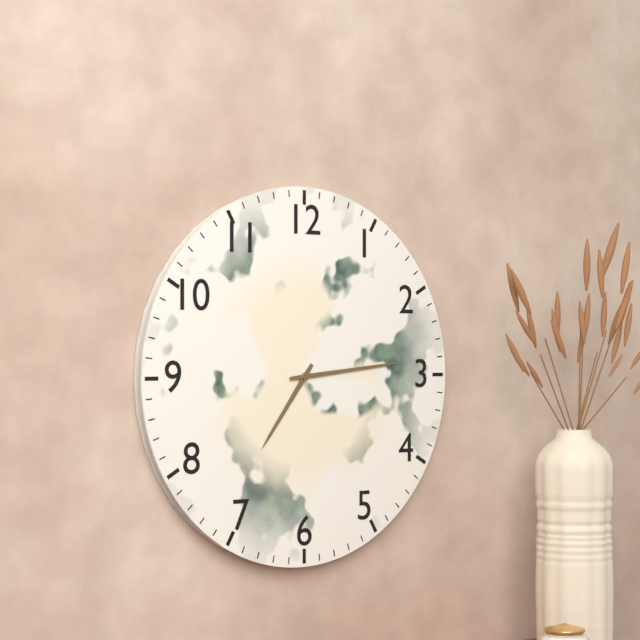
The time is {"hour": 7, "minute": 14}
